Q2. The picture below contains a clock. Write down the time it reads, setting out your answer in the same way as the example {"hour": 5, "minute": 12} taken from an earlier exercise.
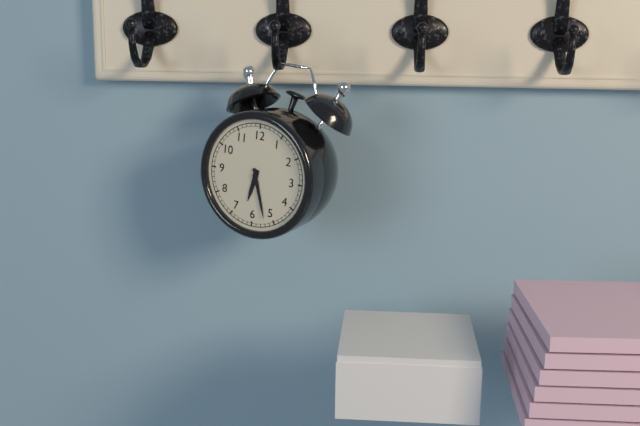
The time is {"hour": 6, "minute": 27}
